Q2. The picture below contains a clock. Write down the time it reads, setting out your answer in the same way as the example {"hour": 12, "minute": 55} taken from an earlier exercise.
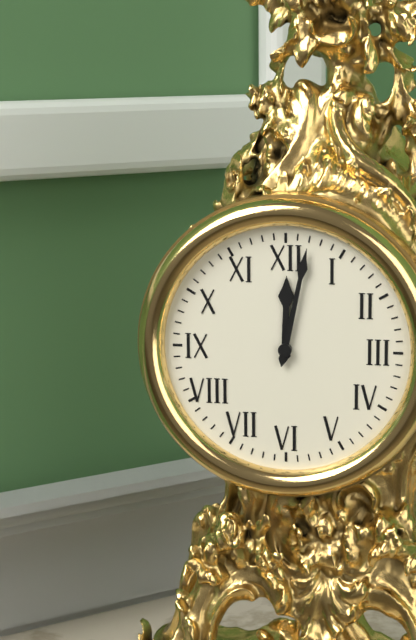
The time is {"hour": 12, "minute": 2}
